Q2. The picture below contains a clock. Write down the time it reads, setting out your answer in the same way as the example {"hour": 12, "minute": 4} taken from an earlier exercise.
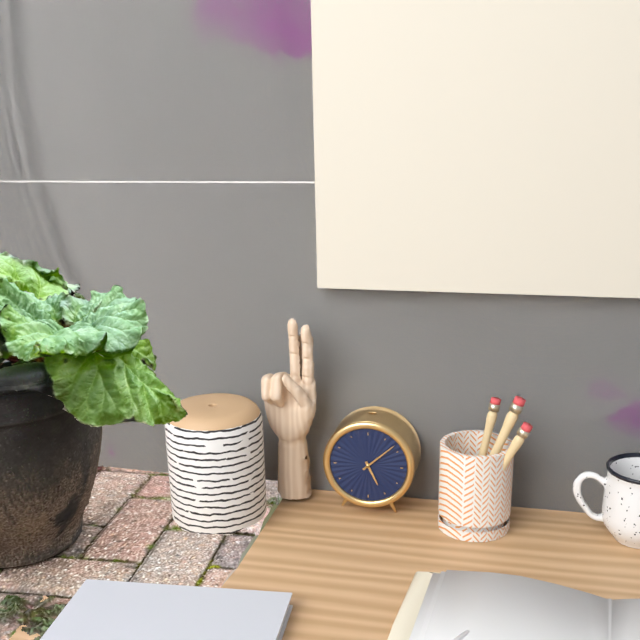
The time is {"hour": 5, "minute": 8}
